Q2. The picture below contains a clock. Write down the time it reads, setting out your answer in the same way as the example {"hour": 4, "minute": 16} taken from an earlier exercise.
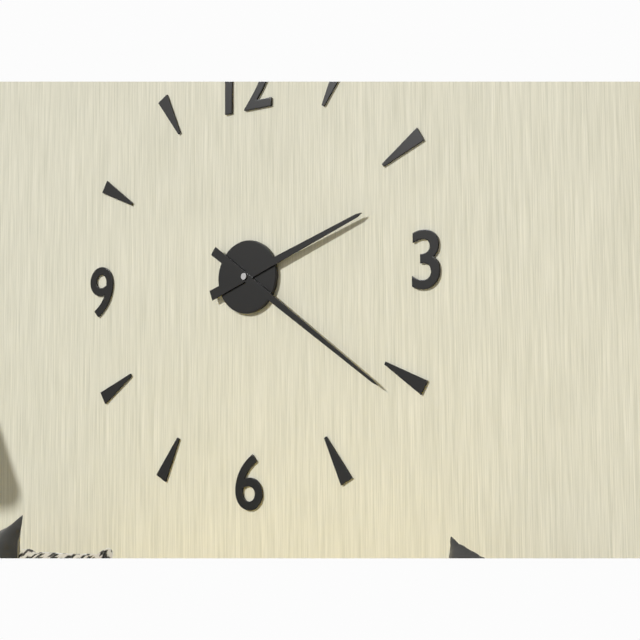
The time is {"hour": 2, "minute": 21}
